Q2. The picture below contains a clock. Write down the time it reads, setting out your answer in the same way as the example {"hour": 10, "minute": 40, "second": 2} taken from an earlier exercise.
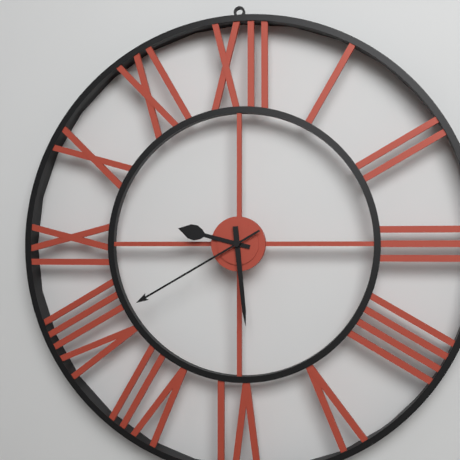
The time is {"hour": 9, "minute": 29, "second": 40}
